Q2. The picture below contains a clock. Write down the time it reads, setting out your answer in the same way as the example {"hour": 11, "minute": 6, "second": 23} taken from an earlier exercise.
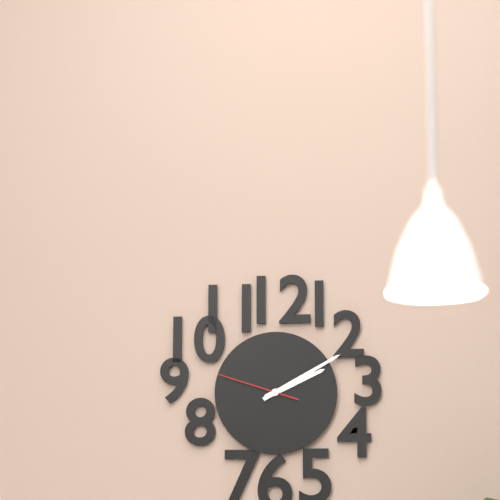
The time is {"hour": 2, "minute": 10, "second": 48}
